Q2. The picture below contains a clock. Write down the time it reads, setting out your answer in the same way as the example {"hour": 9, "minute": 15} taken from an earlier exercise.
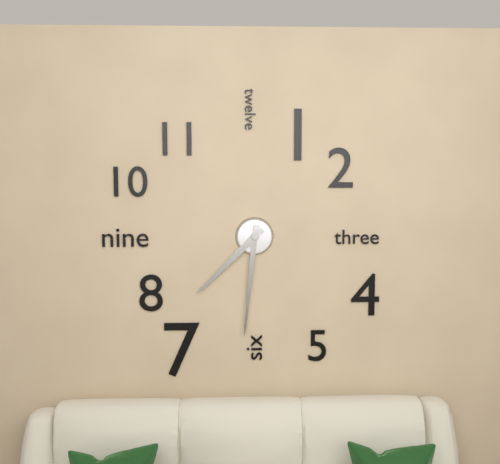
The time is {"hour": 7, "minute": 31}
